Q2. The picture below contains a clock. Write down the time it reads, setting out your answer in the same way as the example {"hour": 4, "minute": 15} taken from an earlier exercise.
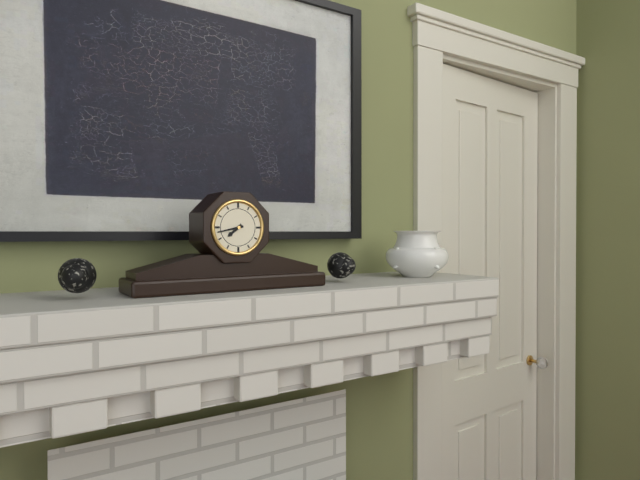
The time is {"hour": 7, "minute": 43}
